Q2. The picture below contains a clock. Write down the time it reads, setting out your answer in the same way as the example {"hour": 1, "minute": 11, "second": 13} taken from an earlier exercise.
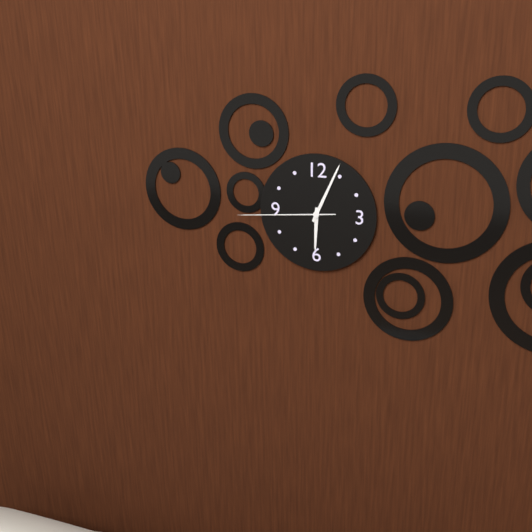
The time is {"hour": 6, "minute": 4, "second": 44}
